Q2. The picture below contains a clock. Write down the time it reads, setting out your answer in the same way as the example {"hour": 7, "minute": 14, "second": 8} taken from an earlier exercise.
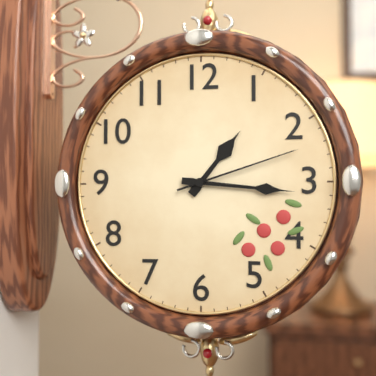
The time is {"hour": 1, "minute": 16, "second": 12}
